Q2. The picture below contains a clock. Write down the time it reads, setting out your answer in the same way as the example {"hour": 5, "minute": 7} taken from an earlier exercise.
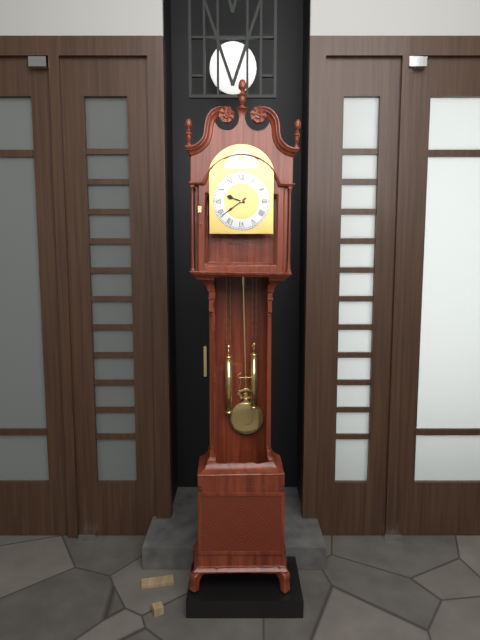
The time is {"hour": 9, "minute": 39}
